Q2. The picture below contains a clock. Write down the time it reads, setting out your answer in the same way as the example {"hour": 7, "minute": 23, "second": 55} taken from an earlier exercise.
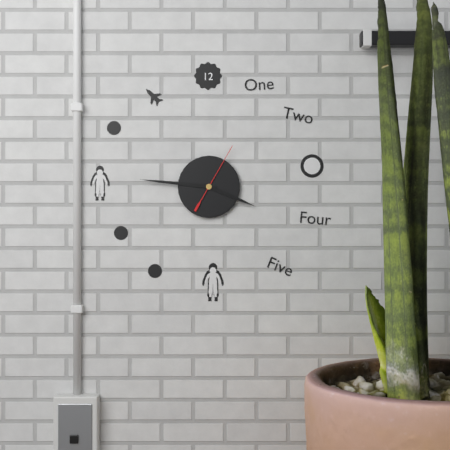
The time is {"hour": 3, "minute": 46, "second": 5}
